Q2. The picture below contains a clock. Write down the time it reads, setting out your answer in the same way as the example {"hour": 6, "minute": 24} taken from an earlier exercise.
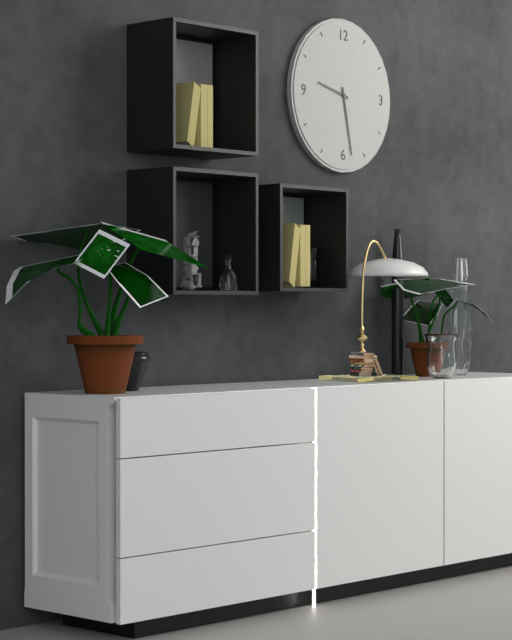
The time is {"hour": 9, "minute": 28}
